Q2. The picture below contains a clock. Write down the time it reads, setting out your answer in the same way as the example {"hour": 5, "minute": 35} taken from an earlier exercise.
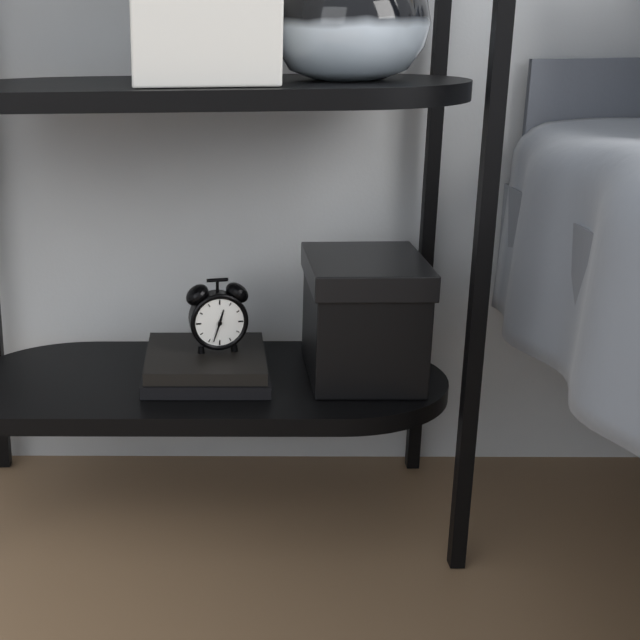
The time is {"hour": 12, "minute": 33}
